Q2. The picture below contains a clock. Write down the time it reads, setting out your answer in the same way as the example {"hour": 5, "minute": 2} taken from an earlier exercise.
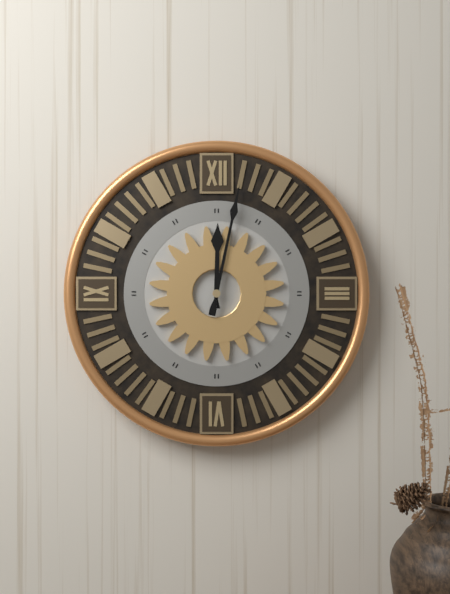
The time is {"hour": 12, "minute": 2}
